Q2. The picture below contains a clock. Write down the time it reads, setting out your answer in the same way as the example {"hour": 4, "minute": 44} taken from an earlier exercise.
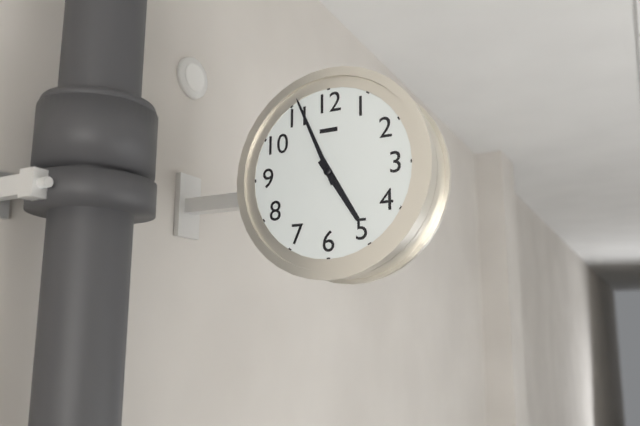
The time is {"hour": 4, "minute": 56}
